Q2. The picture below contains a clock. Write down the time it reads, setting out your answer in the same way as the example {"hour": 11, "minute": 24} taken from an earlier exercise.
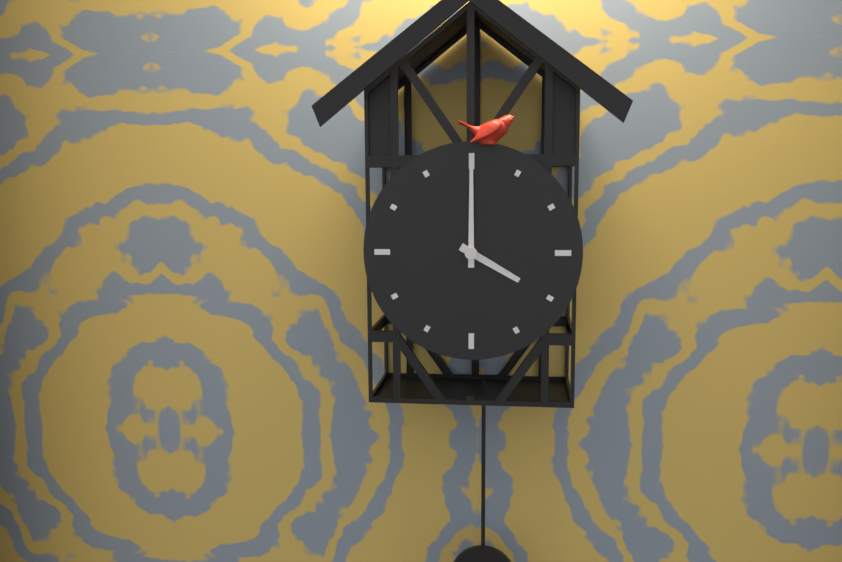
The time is {"hour": 4, "minute": 0}
